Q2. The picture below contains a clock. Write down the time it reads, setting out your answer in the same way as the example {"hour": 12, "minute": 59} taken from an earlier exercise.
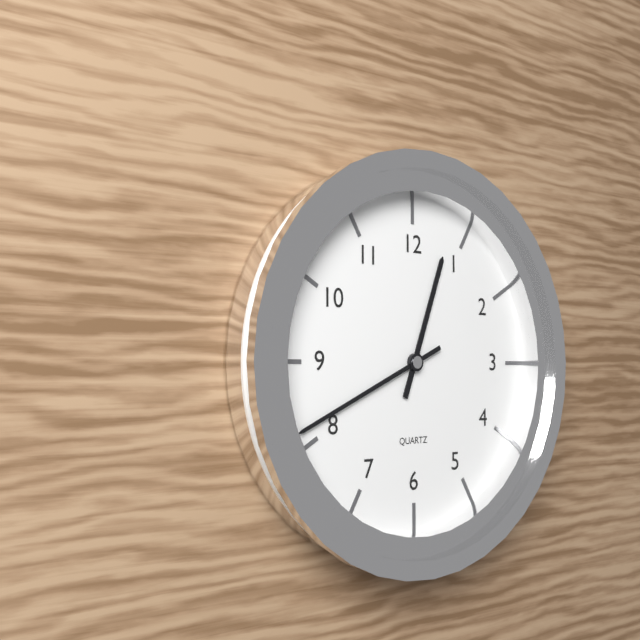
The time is {"hour": 12, "minute": 41}
